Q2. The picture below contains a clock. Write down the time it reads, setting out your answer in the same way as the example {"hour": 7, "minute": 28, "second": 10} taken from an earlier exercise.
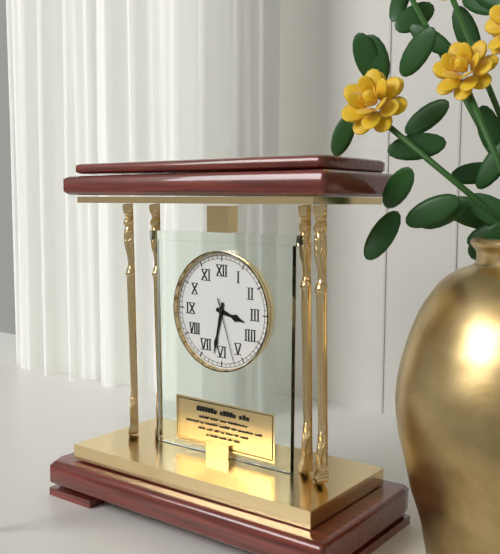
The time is {"hour": 3, "minute": 32, "second": 27}
